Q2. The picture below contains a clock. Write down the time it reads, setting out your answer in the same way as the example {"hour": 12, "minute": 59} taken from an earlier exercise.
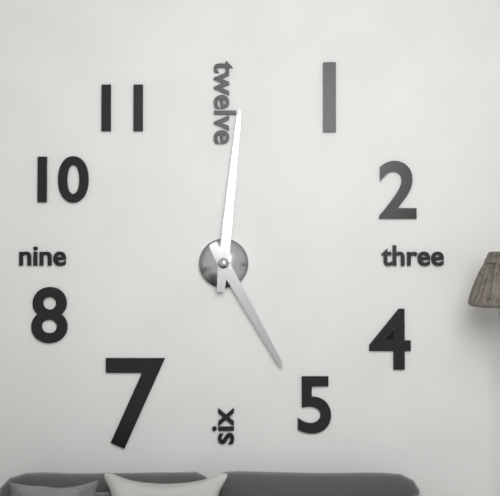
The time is {"hour": 5, "minute": 1}
